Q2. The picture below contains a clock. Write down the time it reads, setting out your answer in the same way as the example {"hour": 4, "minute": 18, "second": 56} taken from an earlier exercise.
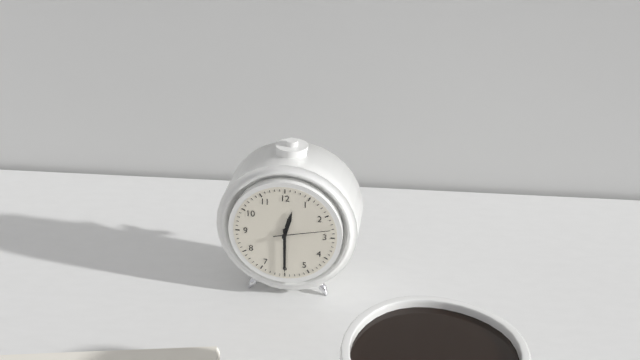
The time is {"hour": 12, "minute": 30, "second": 13}
